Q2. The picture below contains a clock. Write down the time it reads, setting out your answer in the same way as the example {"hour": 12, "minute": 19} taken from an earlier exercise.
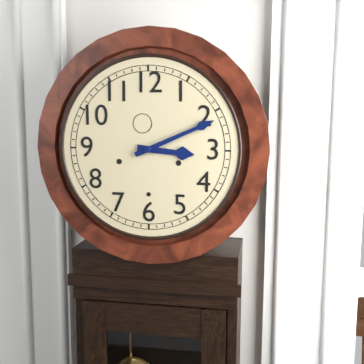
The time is {"hour": 3, "minute": 11}
